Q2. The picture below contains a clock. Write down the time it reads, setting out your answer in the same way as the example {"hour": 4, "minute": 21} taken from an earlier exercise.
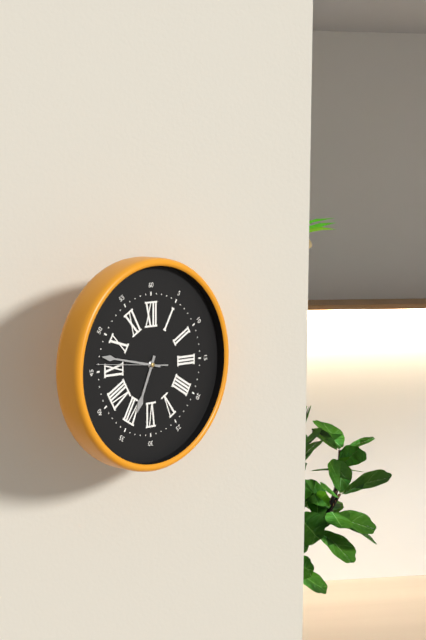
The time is {"hour": 6, "minute": 47}
